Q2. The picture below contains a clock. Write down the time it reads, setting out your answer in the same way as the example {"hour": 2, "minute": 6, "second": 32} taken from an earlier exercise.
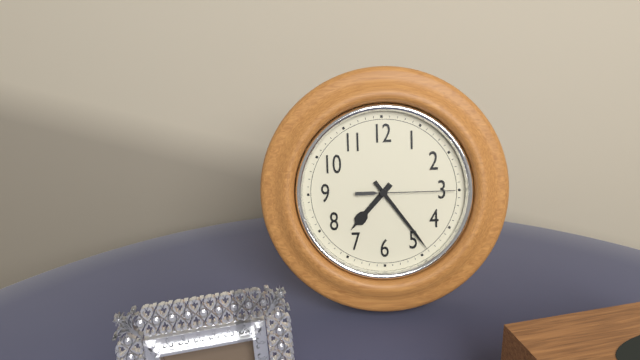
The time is {"hour": 7, "minute": 24, "second": 15}
